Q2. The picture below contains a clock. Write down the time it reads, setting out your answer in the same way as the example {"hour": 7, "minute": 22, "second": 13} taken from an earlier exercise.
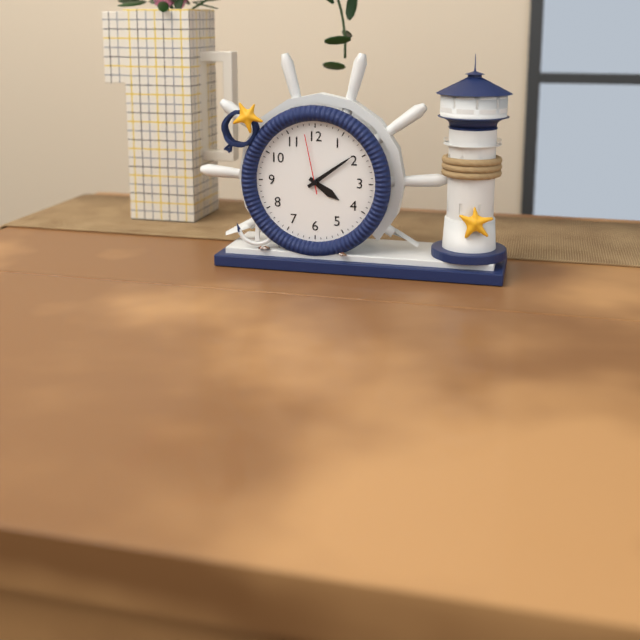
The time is {"hour": 4, "minute": 9, "second": 58}
